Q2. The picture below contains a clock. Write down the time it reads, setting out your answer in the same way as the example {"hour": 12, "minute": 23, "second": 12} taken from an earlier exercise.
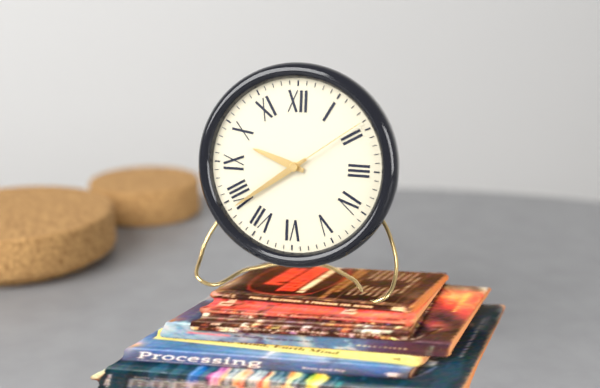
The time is {"hour": 9, "minute": 39, "second": 9}
